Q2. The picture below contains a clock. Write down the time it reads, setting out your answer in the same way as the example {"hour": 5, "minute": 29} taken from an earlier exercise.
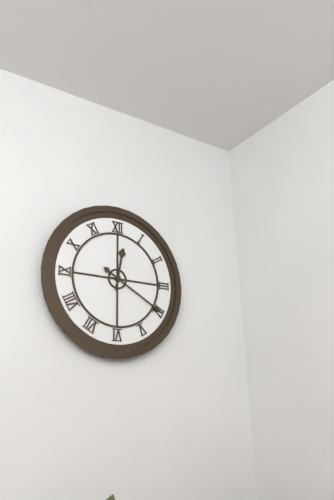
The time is {"hour": 12, "minute": 20}
